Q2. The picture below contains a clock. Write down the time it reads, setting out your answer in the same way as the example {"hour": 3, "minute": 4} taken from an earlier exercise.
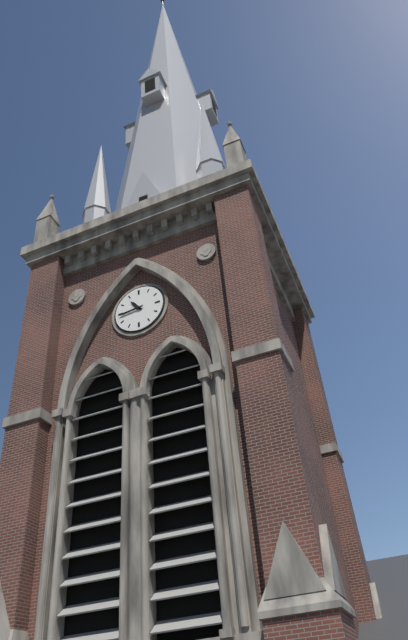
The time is {"hour": 10, "minute": 44}
